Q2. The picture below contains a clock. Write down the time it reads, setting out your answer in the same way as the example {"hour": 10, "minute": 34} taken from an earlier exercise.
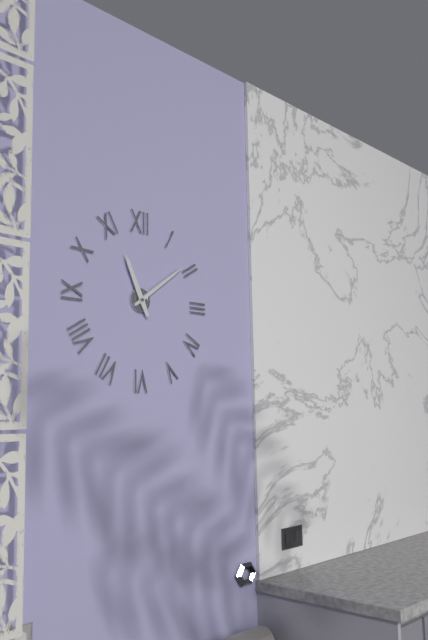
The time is {"hour": 11, "minute": 9}
